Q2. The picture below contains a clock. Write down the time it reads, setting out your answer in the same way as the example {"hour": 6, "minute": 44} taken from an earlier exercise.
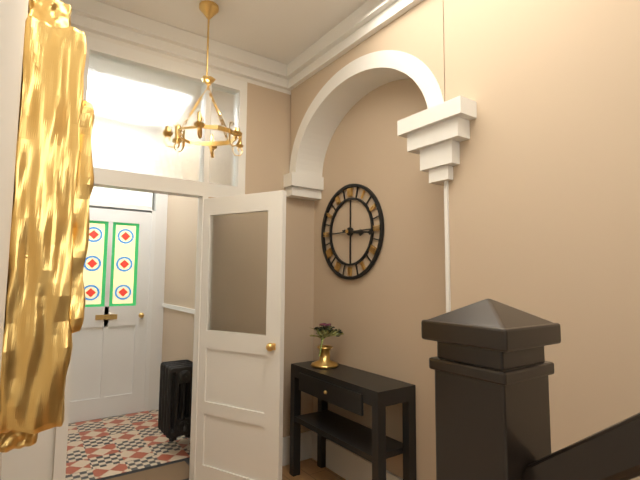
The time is {"hour": 3, "minute": 16}
